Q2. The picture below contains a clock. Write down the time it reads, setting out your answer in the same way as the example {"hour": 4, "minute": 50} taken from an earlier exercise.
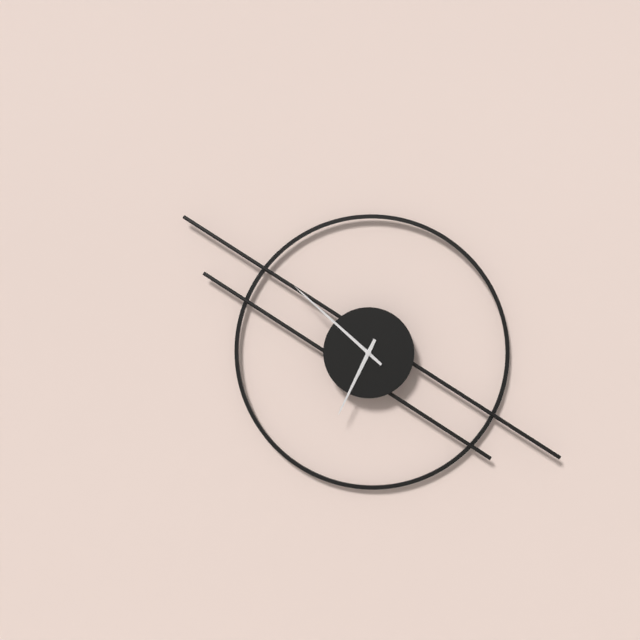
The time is {"hour": 6, "minute": 52}
